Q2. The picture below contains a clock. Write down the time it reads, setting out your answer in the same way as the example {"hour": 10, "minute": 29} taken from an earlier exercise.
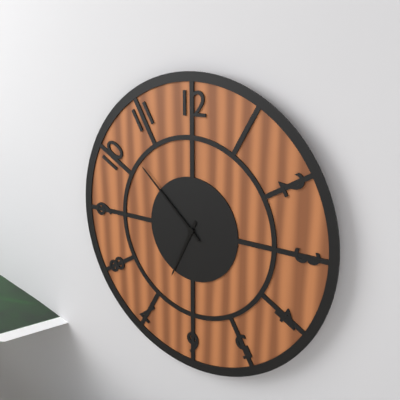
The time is {"hour": 6, "minute": 52}
